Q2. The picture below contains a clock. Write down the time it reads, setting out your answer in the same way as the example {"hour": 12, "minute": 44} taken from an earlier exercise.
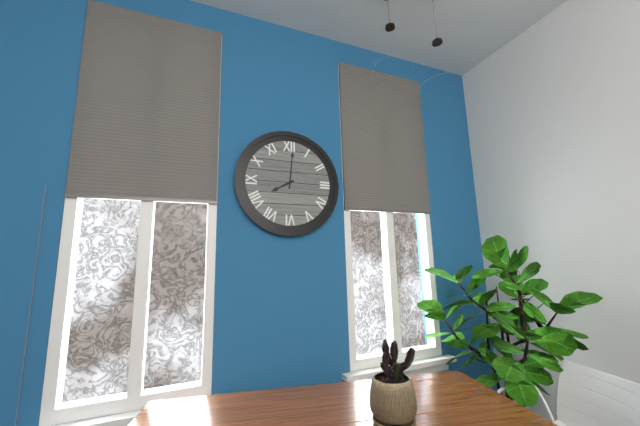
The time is {"hour": 8, "minute": 1}
